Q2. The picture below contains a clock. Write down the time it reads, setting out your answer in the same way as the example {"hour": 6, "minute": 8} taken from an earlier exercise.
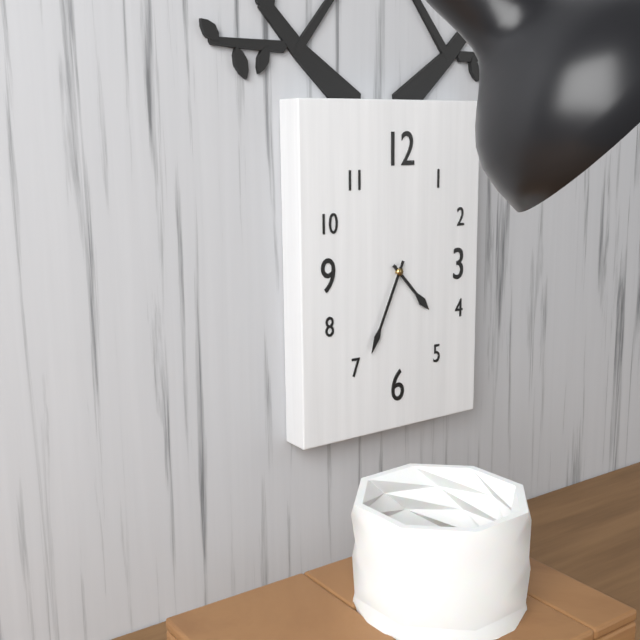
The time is {"hour": 4, "minute": 34}
